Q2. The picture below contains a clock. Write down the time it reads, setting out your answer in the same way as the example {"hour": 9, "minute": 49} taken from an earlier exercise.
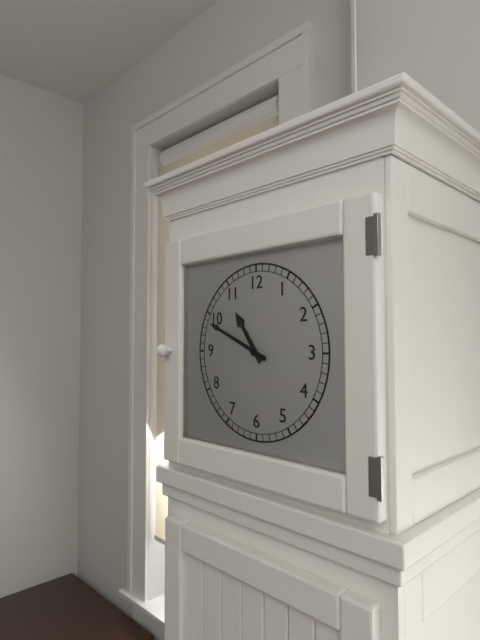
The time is {"hour": 10, "minute": 49}
